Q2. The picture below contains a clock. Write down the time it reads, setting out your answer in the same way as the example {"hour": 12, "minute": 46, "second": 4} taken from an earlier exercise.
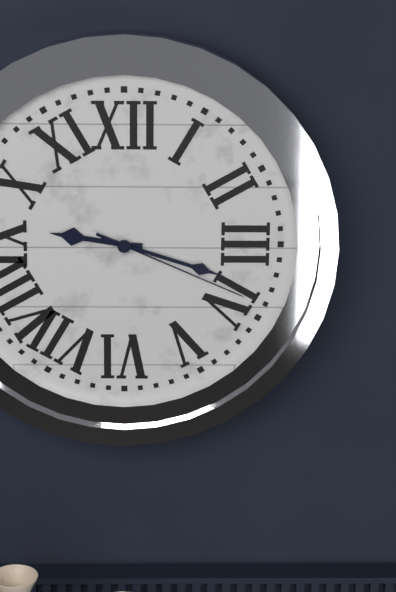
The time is {"hour": 9, "minute": 18, "second": 19}
